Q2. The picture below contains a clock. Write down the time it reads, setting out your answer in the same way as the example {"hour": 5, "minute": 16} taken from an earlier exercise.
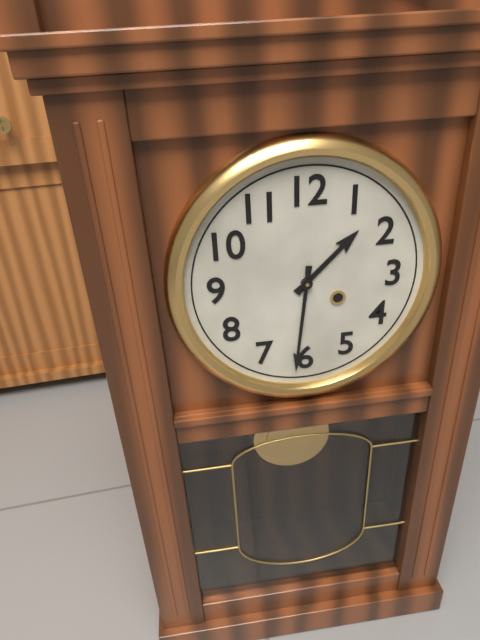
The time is {"hour": 1, "minute": 31}
